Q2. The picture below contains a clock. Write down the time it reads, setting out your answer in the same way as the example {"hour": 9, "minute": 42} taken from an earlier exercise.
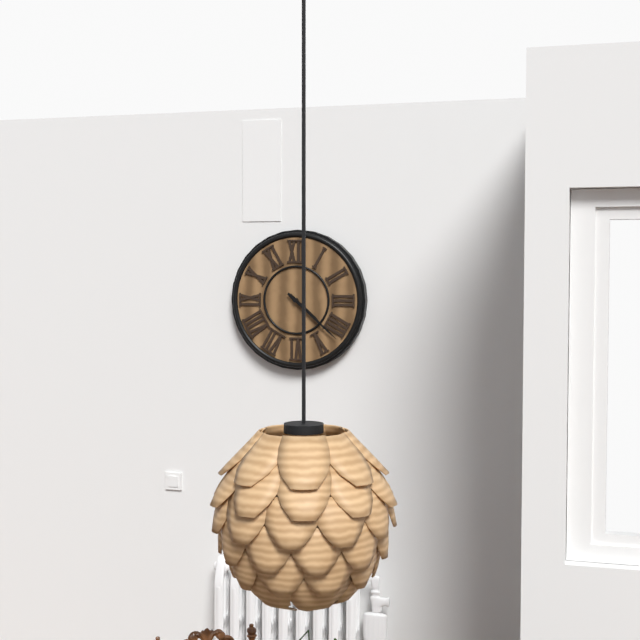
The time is {"hour": 4, "minute": 22}
